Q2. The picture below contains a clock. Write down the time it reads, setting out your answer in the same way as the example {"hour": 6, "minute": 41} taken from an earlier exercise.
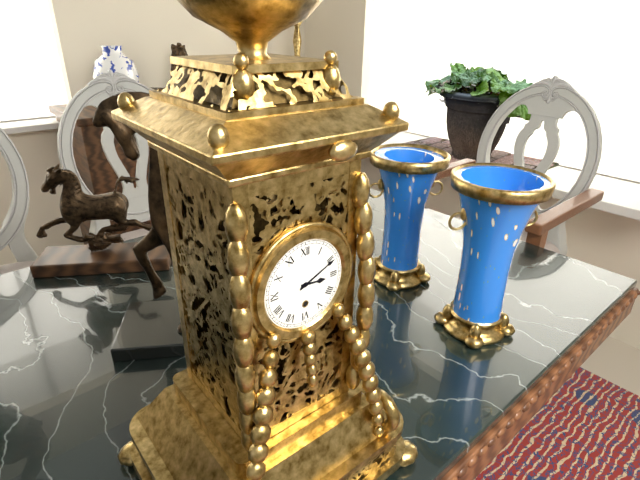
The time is {"hour": 3, "minute": 11}
